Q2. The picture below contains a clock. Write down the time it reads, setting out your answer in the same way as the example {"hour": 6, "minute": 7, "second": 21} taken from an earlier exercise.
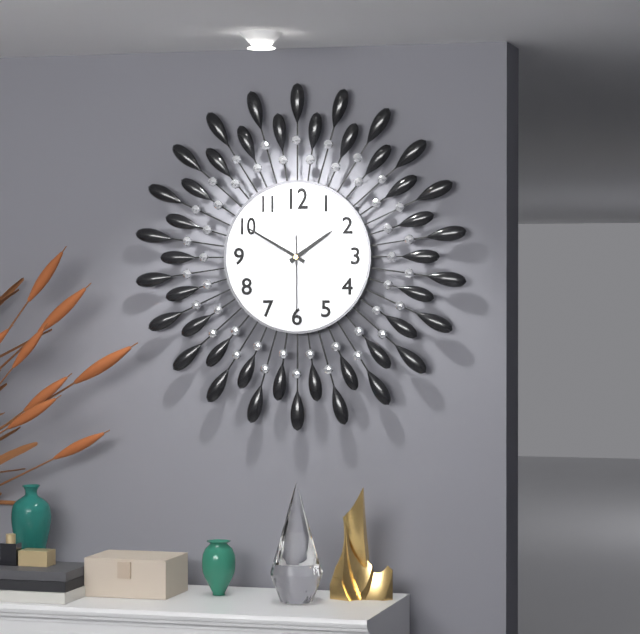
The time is {"hour": 1, "minute": 50, "second": 30}
